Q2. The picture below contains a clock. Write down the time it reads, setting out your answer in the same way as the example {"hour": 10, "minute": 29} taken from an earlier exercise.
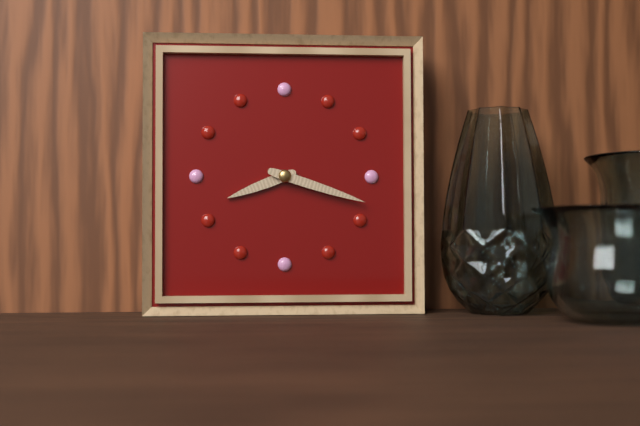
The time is {"hour": 8, "minute": 18}
